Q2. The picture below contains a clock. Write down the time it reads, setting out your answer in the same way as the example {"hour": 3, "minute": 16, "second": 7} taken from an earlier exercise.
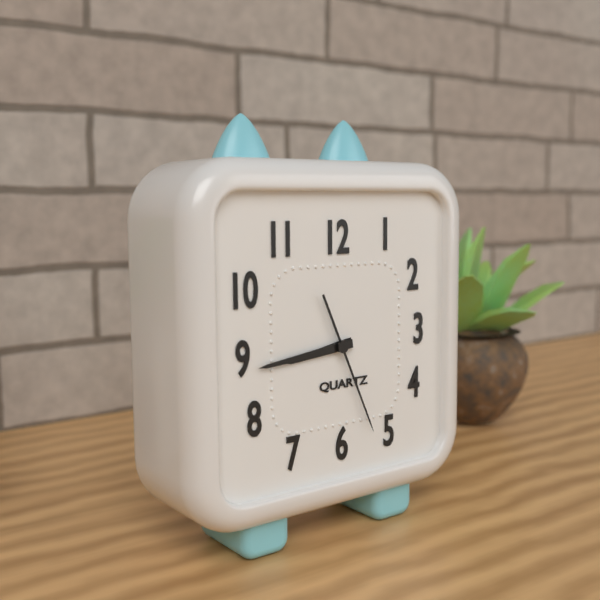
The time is {"hour": 8, "minute": 44, "second": 26}
